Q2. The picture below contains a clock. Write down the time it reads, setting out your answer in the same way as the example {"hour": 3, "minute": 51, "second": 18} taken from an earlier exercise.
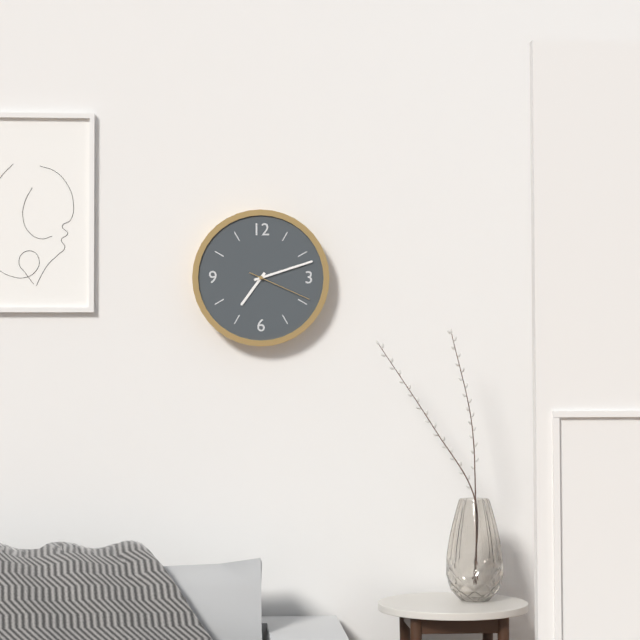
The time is {"hour": 7, "minute": 12, "second": 19}
